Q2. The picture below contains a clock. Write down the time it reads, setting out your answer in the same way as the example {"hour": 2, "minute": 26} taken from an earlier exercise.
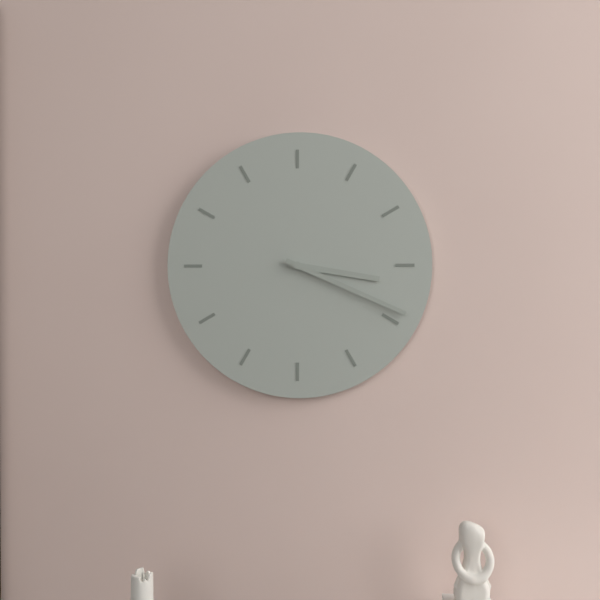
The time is {"hour": 3, "minute": 19}
